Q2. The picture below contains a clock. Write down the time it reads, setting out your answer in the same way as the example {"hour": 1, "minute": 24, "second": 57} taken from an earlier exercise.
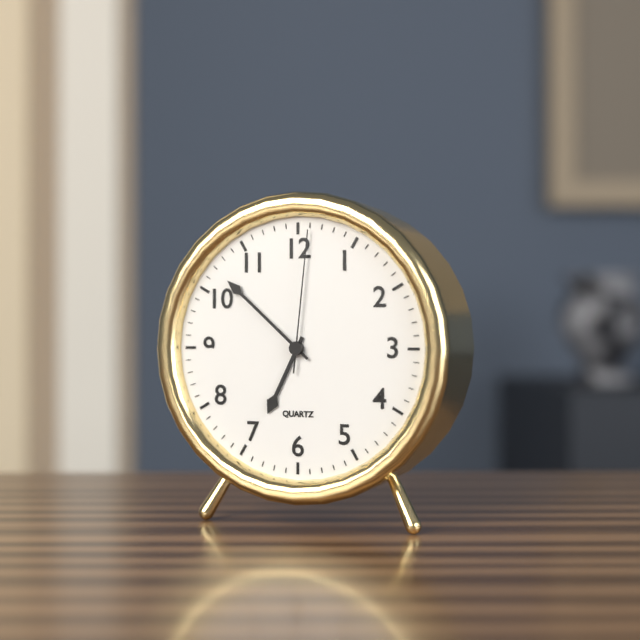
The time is {"hour": 6, "minute": 52, "second": 1}
